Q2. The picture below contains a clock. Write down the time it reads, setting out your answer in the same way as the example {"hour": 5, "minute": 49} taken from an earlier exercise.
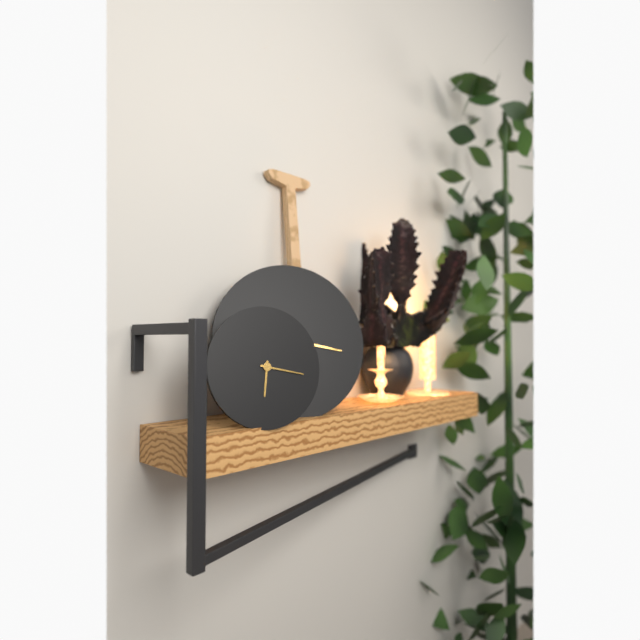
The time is {"hour": 6, "minute": 17}
